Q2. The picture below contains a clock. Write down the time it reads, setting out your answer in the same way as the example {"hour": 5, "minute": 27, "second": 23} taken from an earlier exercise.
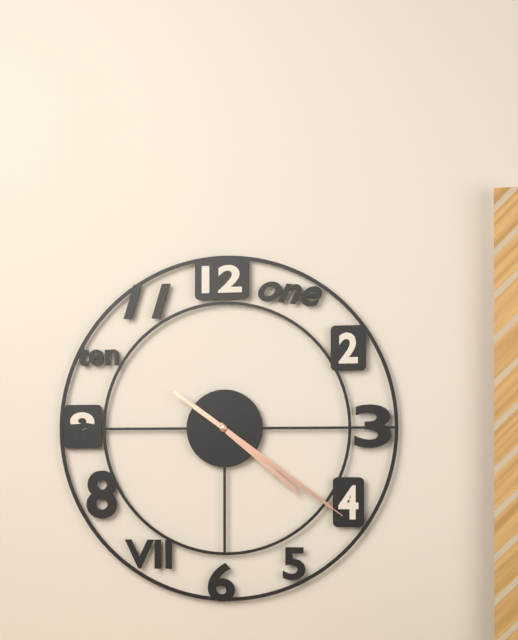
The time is {"hour": 4, "minute": 21, "second": 21}
